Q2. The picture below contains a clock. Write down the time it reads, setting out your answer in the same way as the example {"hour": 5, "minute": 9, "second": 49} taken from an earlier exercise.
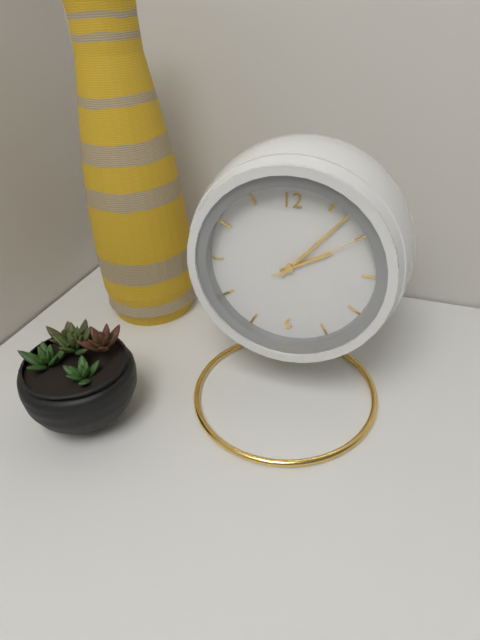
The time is {"hour": 2, "minute": 7, "second": 10}
